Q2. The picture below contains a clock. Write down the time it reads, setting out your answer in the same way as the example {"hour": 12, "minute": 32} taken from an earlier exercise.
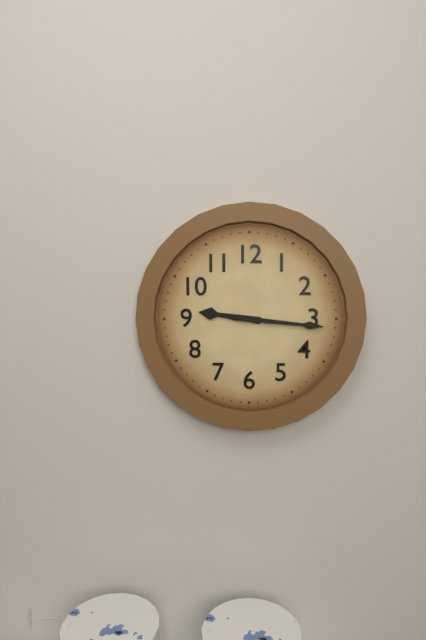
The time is {"hour": 9, "minute": 16}
